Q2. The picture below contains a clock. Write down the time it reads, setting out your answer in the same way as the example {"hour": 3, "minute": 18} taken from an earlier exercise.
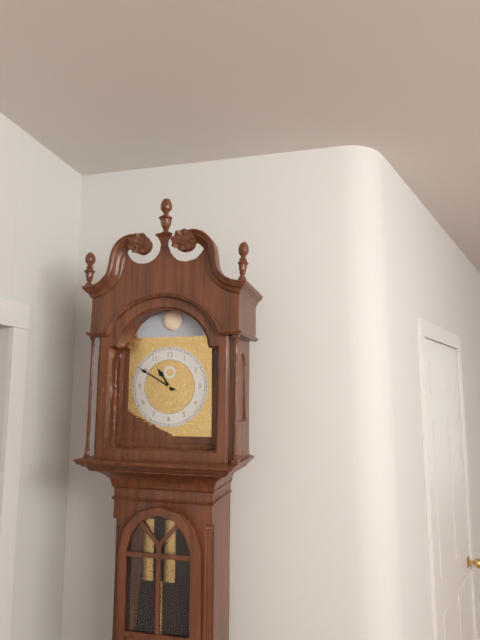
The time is {"hour": 10, "minute": 50}
